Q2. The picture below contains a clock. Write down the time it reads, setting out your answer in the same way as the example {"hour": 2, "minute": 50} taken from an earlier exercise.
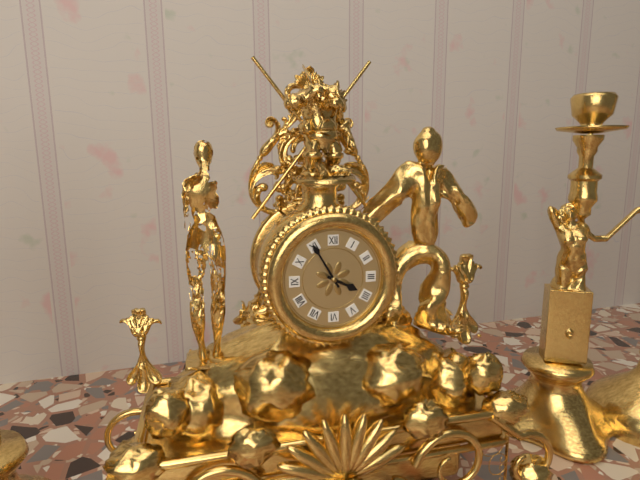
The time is {"hour": 3, "minute": 55}
